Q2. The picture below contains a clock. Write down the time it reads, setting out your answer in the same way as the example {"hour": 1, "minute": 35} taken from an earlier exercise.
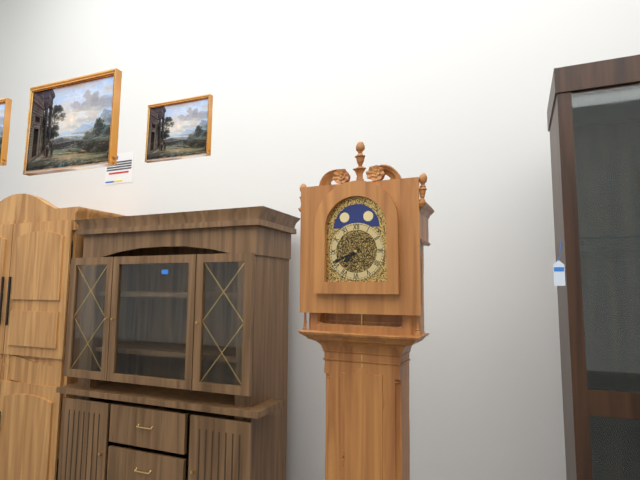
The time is {"hour": 7, "minute": 41}
